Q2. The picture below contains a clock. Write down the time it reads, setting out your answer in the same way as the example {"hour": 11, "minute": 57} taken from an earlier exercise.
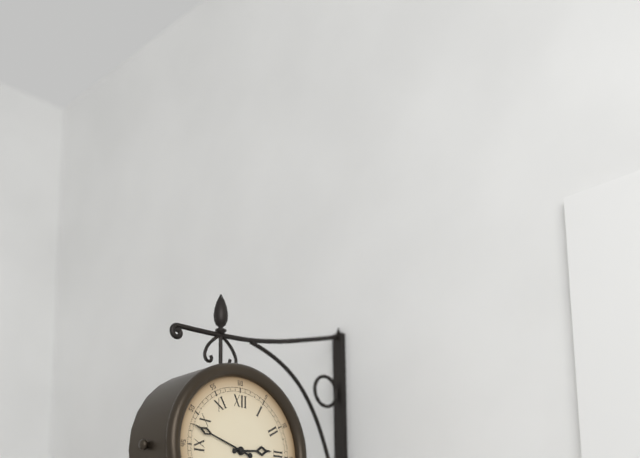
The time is {"hour": 2, "minute": 48}
